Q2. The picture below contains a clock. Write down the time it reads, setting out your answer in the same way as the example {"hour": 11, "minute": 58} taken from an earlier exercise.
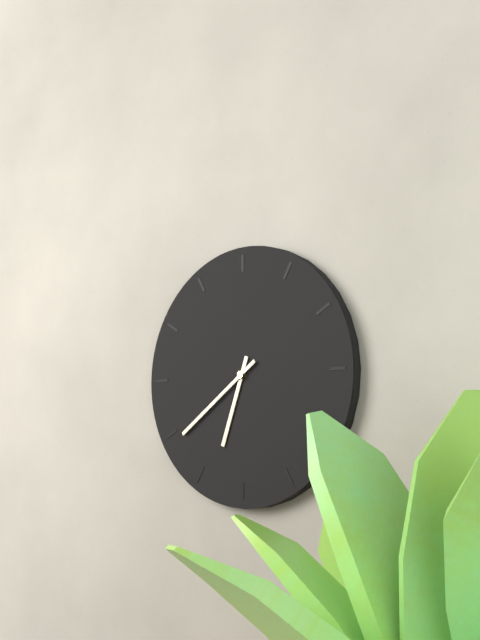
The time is {"hour": 6, "minute": 39}
